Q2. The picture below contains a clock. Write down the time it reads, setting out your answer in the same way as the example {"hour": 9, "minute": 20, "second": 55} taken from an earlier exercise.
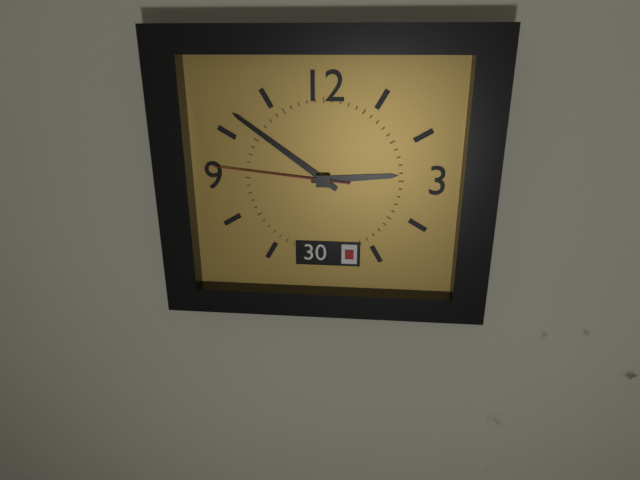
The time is {"hour": 2, "minute": 51, "second": 46}
